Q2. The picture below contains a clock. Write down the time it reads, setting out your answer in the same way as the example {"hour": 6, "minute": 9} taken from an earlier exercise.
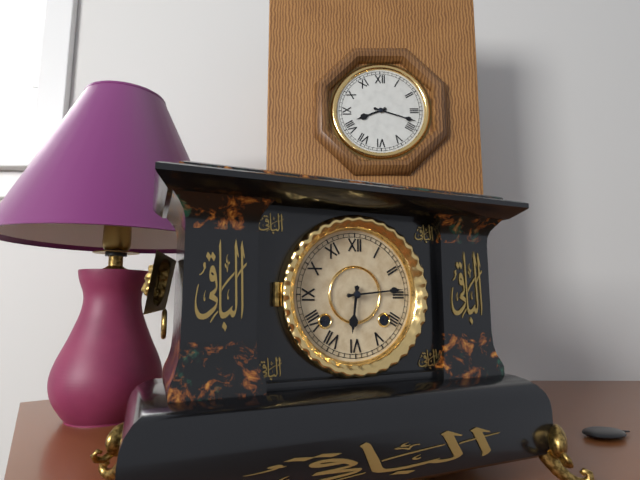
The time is {"hour": 6, "minute": 14}
